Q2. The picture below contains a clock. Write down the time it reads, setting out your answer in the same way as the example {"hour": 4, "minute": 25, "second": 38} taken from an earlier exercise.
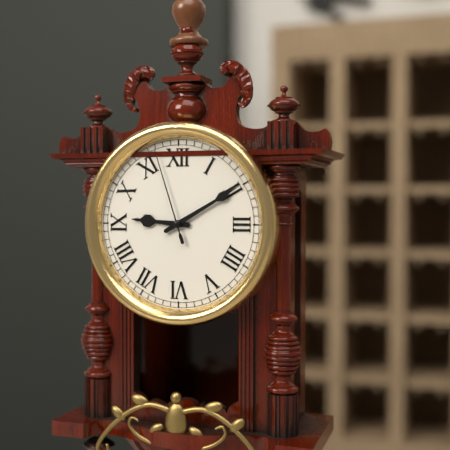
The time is {"hour": 9, "minute": 10, "second": 57}
